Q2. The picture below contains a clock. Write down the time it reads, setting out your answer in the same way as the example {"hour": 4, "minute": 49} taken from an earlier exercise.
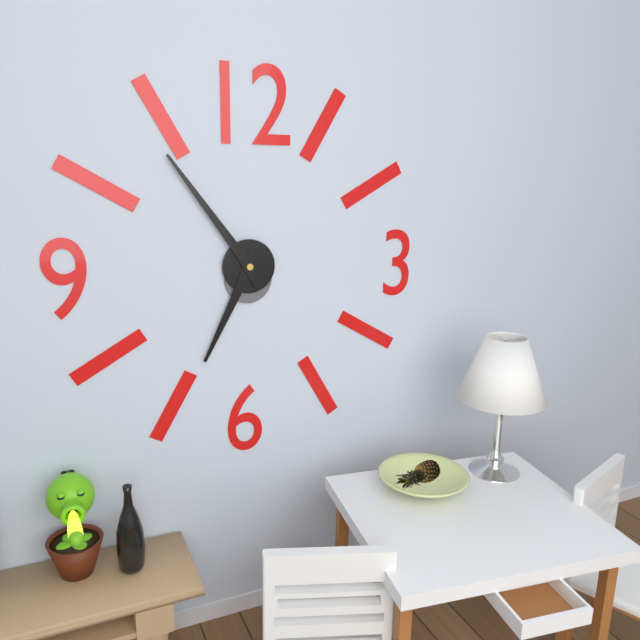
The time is {"hour": 6, "minute": 54}
